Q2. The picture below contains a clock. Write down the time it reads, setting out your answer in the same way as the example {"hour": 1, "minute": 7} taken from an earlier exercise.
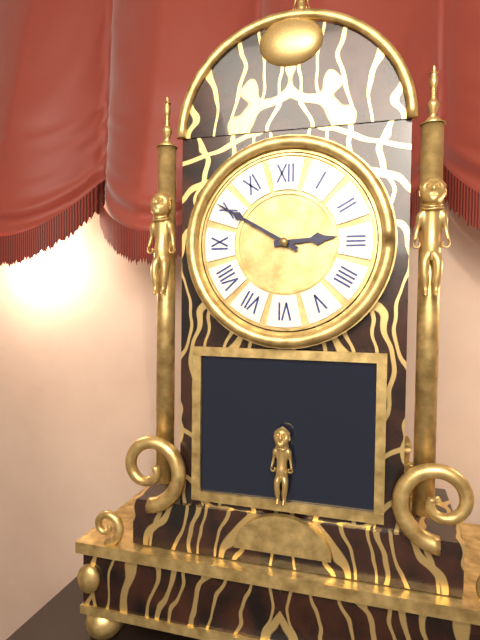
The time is {"hour": 2, "minute": 50}
